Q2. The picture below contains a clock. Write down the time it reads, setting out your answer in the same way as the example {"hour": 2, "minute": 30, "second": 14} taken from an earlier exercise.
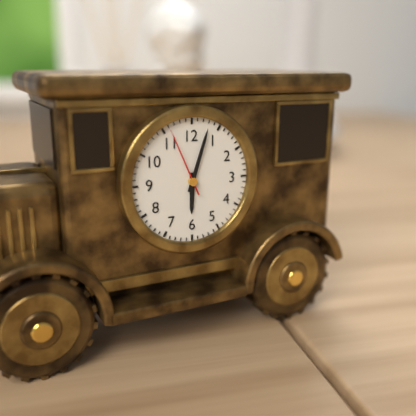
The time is {"hour": 6, "minute": 3, "second": 56}
